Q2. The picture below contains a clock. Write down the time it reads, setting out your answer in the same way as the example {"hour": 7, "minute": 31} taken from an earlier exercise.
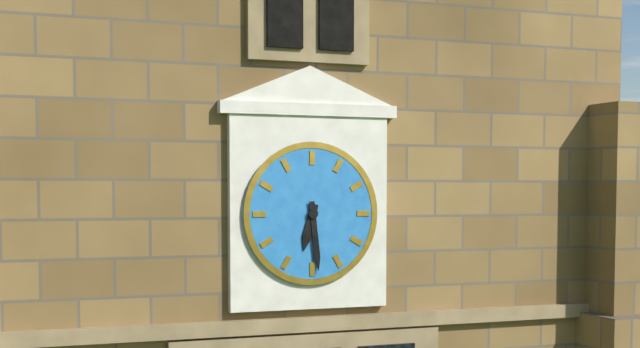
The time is {"hour": 6, "minute": 29}
